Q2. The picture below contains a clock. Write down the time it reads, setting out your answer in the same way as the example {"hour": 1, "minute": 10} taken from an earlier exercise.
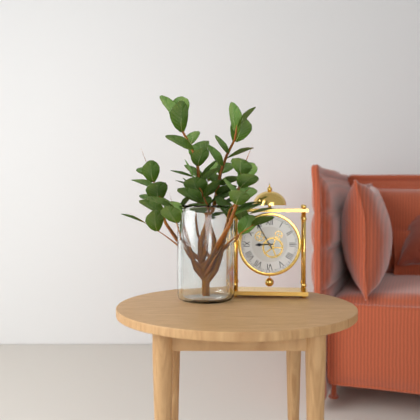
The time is {"hour": 8, "minute": 55}
